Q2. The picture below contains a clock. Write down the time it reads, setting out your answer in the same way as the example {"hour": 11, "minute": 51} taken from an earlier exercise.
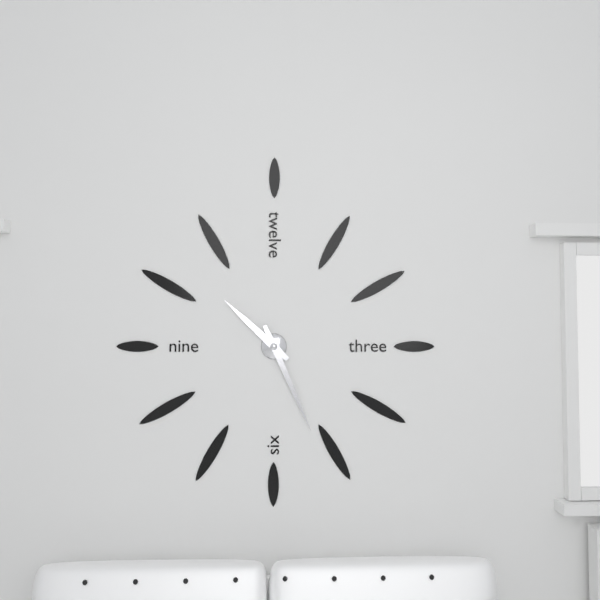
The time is {"hour": 10, "minute": 26}
